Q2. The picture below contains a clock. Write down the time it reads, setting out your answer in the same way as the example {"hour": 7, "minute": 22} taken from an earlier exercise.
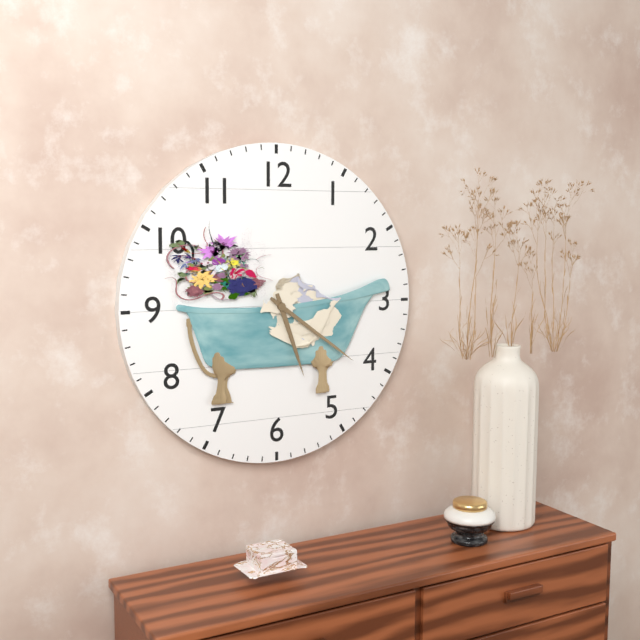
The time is {"hour": 5, "minute": 21}
